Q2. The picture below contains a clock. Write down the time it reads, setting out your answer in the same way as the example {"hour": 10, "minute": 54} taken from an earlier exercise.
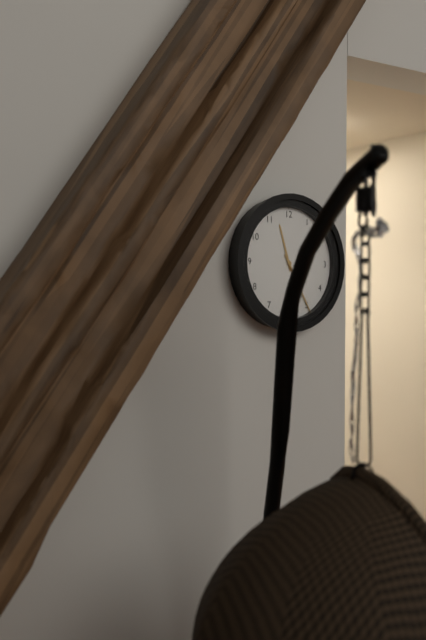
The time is {"hour": 11, "minute": 25}
